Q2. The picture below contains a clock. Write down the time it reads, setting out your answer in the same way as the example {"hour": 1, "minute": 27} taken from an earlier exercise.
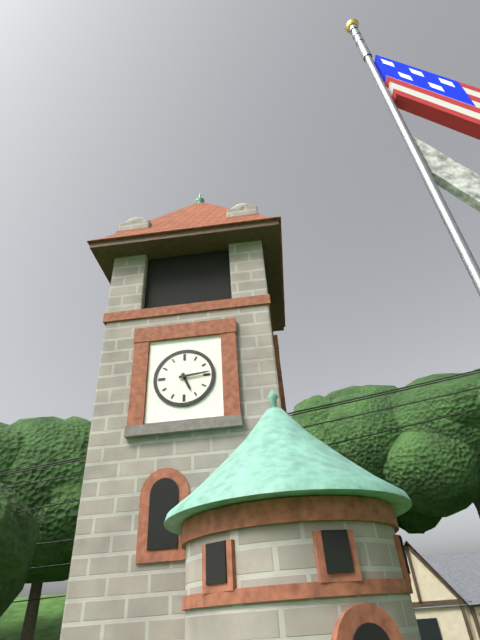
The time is {"hour": 5, "minute": 14}
